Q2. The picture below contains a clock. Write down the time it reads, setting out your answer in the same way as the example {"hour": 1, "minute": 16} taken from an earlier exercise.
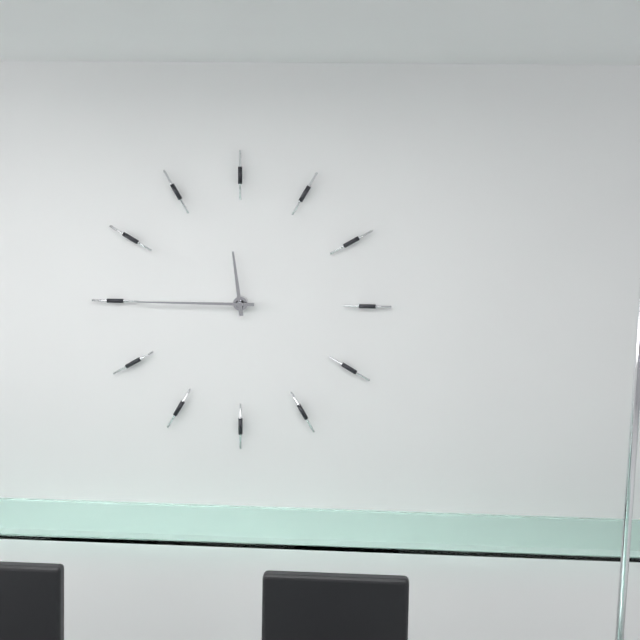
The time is {"hour": 11, "minute": 45}
